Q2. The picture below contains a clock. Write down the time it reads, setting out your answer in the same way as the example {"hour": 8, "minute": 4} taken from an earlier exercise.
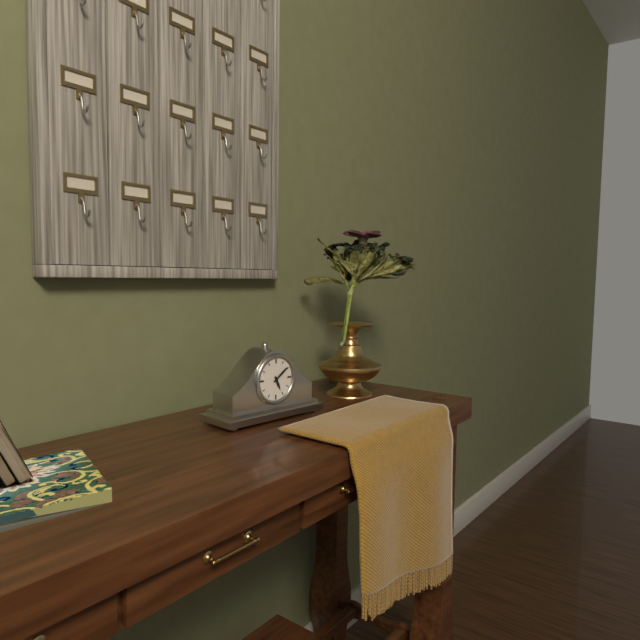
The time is {"hour": 5, "minute": 9}
